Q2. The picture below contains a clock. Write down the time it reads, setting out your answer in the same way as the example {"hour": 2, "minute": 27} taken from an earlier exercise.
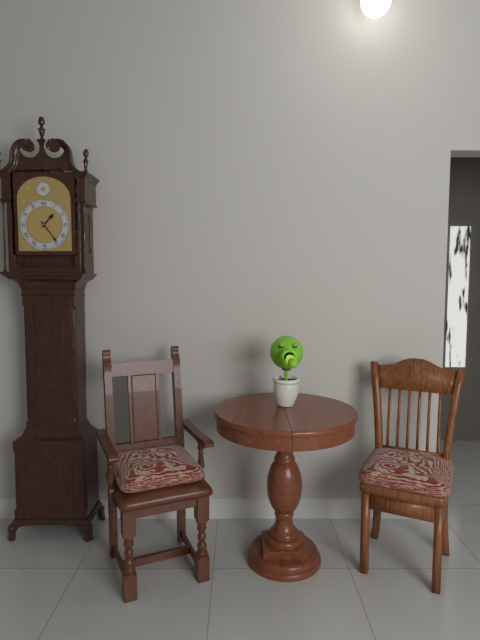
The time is {"hour": 1, "minute": 24}
